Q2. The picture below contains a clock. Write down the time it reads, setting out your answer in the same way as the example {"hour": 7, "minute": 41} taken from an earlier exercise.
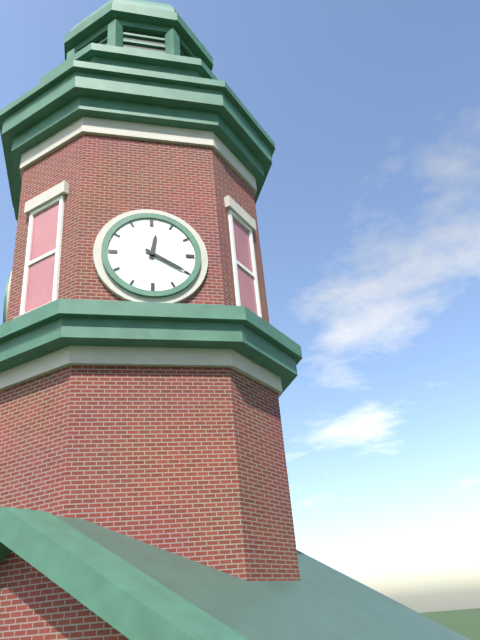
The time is {"hour": 12, "minute": 20}
